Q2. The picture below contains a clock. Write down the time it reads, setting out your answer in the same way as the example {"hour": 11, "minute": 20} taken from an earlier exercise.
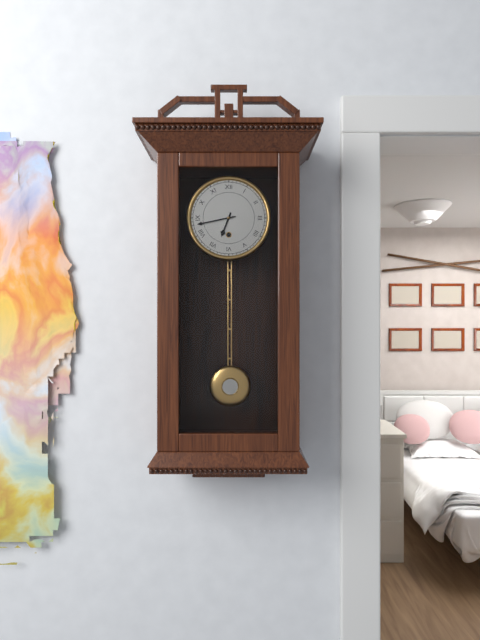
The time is {"hour": 6, "minute": 43}
